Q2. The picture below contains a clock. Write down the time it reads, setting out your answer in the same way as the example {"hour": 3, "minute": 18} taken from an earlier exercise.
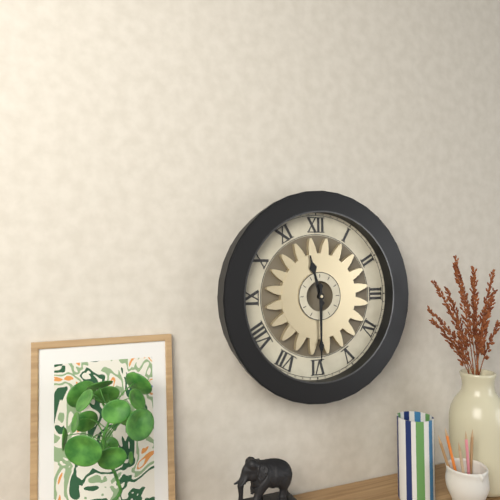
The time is {"hour": 11, "minute": 30}
